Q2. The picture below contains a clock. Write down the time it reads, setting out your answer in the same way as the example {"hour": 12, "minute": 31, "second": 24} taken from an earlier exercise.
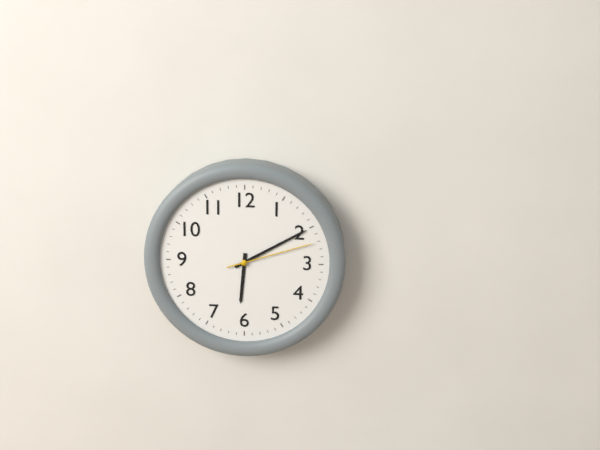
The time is {"hour": 6, "minute": 10, "second": 12}
